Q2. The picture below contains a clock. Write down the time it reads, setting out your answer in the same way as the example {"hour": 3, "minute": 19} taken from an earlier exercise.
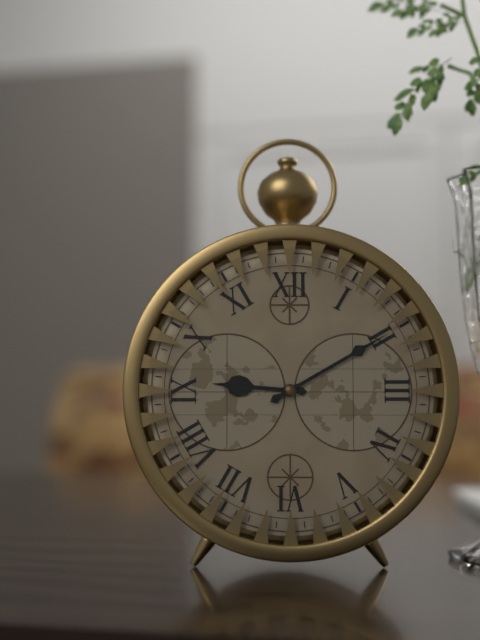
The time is {"hour": 9, "minute": 10}
